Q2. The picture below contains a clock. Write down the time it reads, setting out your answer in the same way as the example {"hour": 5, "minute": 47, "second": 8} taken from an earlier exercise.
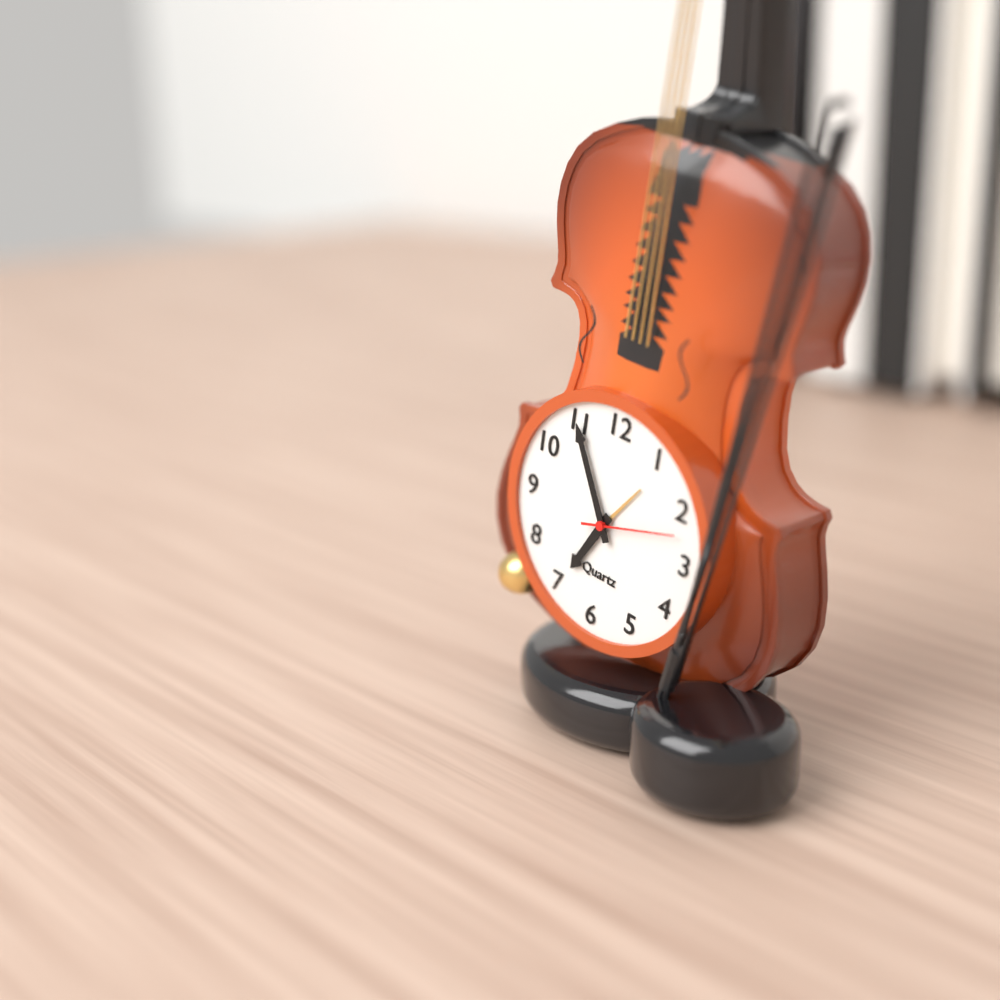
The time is {"hour": 6, "minute": 55, "second": 12}
